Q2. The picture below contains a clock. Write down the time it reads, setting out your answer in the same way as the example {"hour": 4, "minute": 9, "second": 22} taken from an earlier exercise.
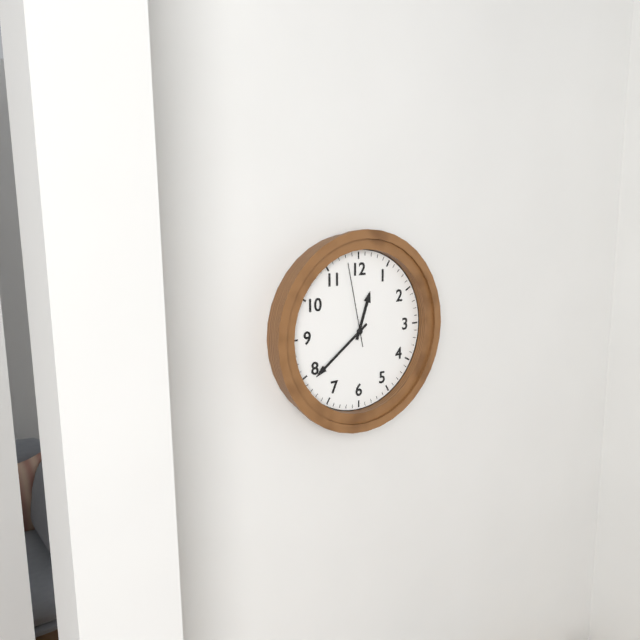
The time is {"hour": 12, "minute": 39, "second": 58}
